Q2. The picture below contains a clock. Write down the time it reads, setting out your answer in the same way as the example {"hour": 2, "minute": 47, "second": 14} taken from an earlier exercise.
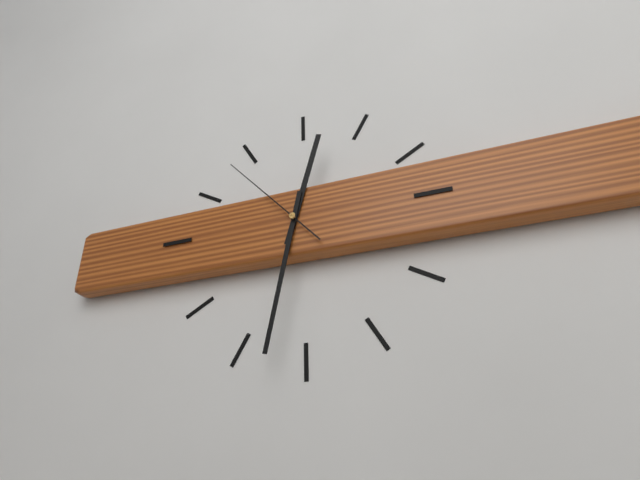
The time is {"hour": 12, "minute": 32, "second": 53}
